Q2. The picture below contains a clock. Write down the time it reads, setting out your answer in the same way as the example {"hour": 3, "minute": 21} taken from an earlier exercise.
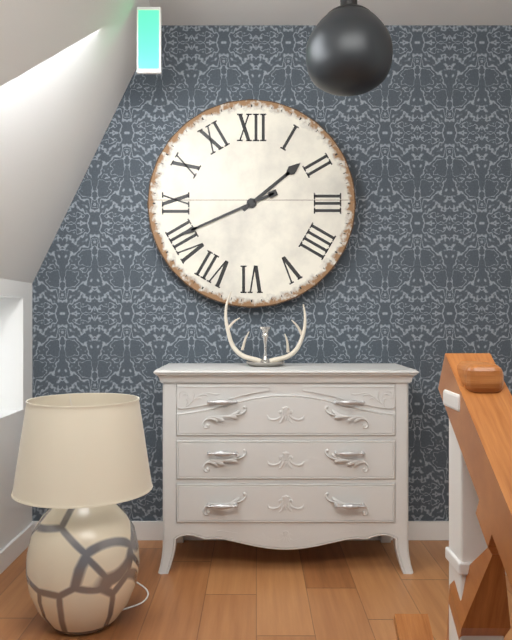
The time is {"hour": 1, "minute": 41}
